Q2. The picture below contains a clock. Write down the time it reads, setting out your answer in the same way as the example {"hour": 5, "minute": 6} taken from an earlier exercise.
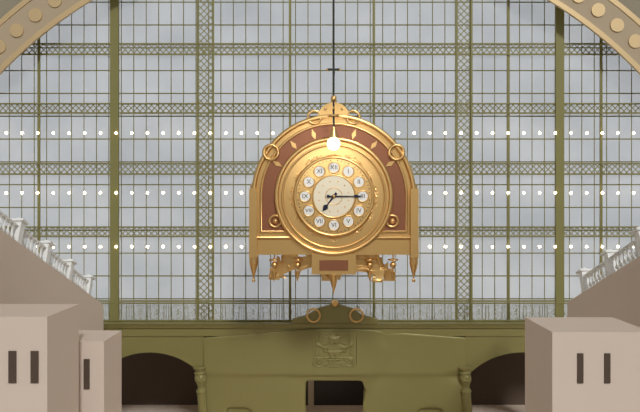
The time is {"hour": 7, "minute": 15}
